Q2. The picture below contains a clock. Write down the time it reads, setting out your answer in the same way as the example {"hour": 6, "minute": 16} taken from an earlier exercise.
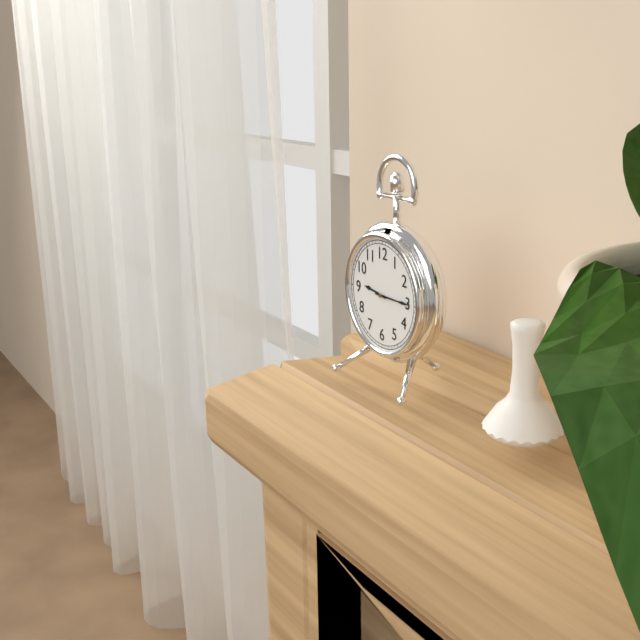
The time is {"hour": 9, "minute": 15}
